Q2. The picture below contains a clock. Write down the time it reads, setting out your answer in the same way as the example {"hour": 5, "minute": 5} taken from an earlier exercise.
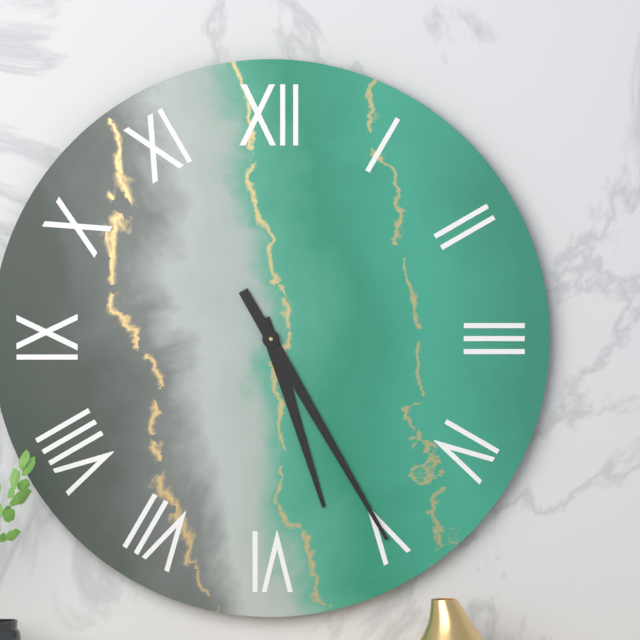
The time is {"hour": 5, "minute": 25}
